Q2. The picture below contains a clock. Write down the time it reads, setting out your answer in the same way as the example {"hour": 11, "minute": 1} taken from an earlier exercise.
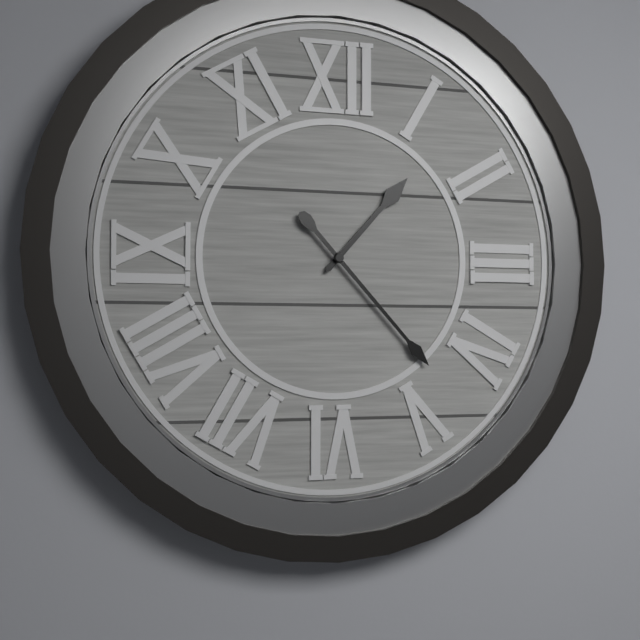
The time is {"hour": 1, "minute": 23}
